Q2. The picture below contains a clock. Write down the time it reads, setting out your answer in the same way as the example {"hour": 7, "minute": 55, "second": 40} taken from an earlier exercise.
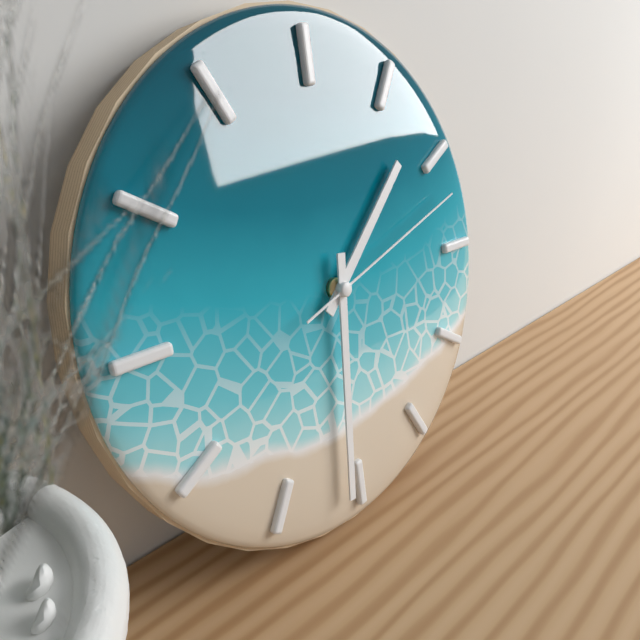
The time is {"hour": 1, "minute": 31, "second": 12}
